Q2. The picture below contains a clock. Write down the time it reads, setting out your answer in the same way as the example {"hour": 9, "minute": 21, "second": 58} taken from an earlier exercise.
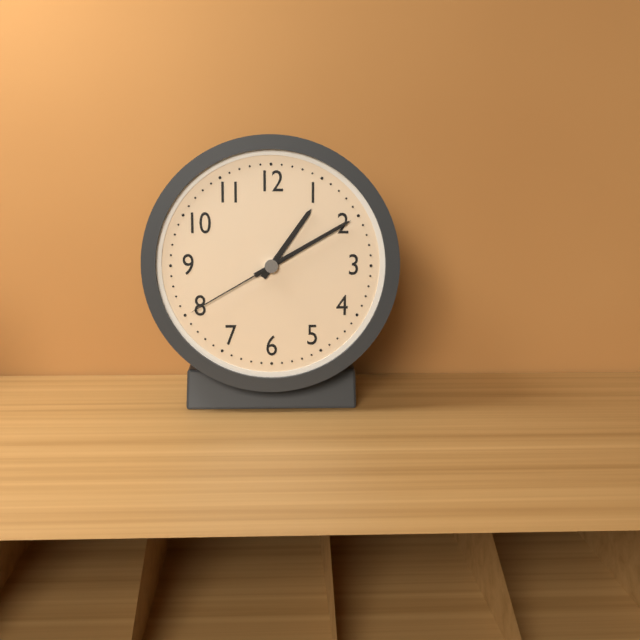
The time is {"hour": 1, "minute": 10, "second": 40}
